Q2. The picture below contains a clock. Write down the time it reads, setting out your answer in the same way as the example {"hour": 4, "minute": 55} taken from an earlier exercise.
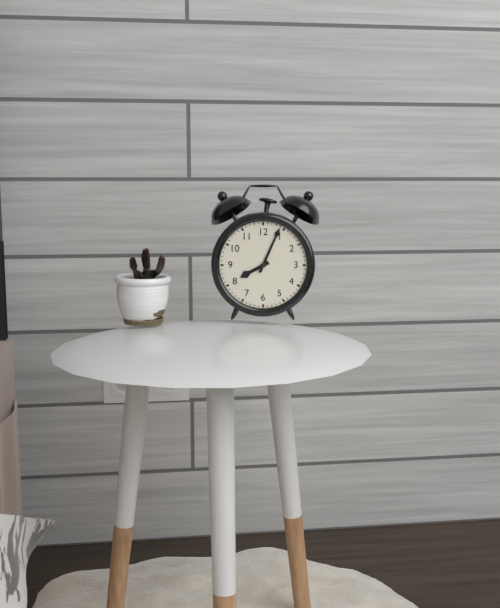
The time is {"hour": 8, "minute": 4}
